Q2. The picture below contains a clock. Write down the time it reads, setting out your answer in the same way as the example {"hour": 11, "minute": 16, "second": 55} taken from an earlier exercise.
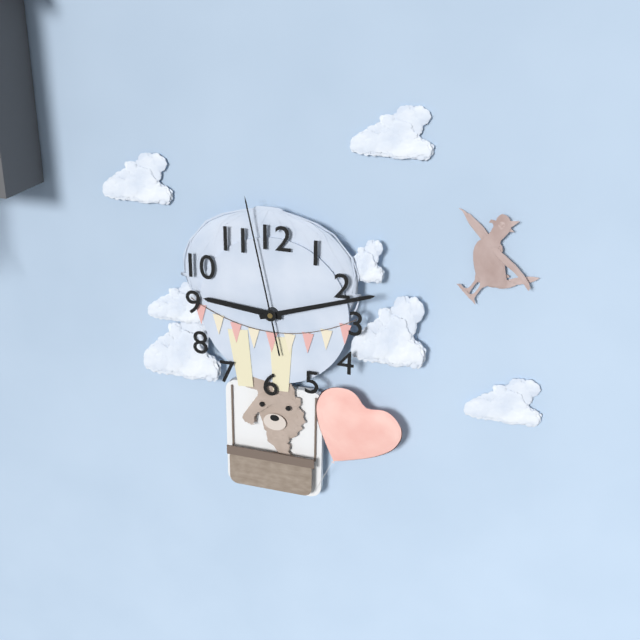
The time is {"hour": 9, "minute": 12, "second": 58}
